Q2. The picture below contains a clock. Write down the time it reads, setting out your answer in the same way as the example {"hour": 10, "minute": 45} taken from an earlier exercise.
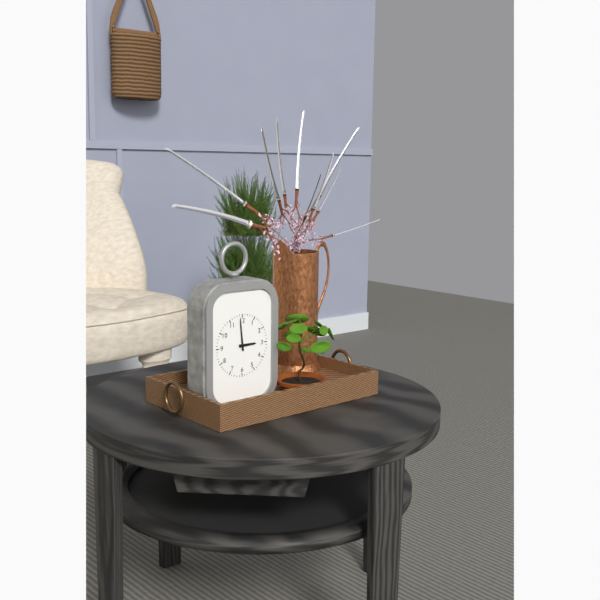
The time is {"hour": 2, "minute": 59}
